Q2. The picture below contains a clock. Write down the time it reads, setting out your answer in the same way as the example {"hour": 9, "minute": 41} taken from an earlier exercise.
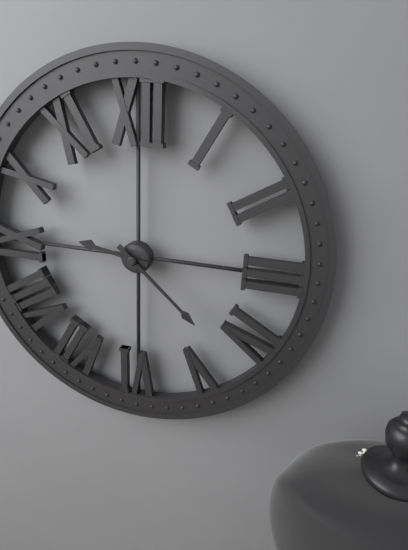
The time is {"hour": 9, "minute": 22}
